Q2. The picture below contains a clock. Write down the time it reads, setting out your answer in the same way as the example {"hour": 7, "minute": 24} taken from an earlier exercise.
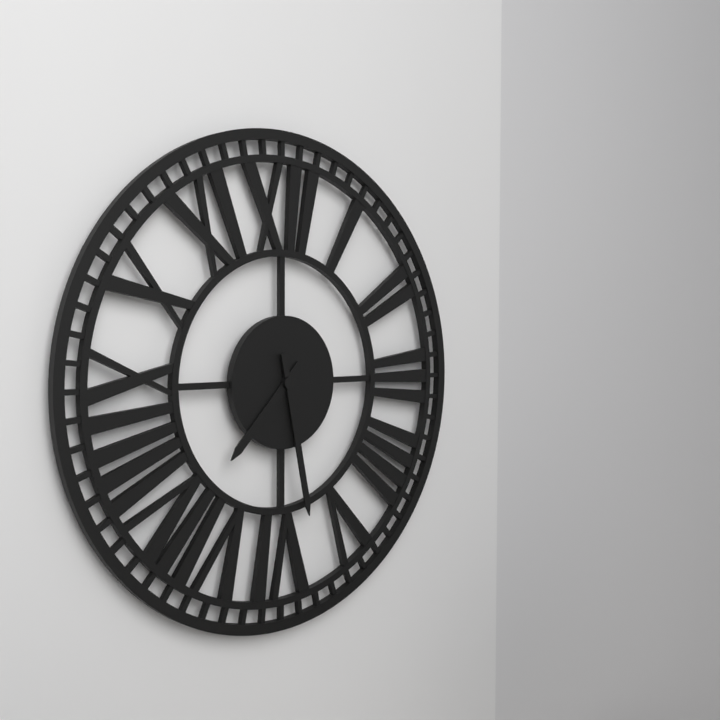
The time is {"hour": 7, "minute": 28}
